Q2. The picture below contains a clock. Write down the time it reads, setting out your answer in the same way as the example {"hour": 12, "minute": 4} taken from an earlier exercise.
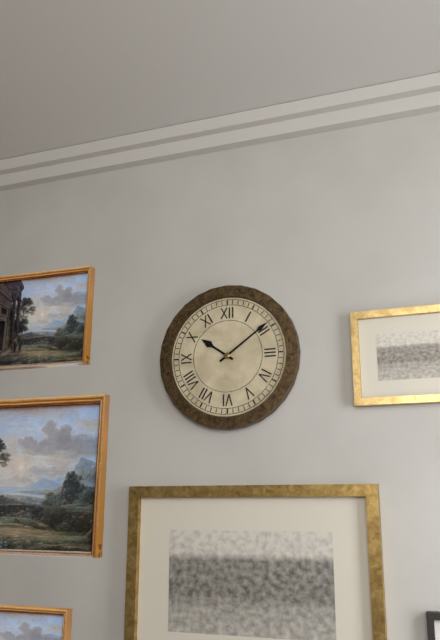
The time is {"hour": 10, "minute": 9}
